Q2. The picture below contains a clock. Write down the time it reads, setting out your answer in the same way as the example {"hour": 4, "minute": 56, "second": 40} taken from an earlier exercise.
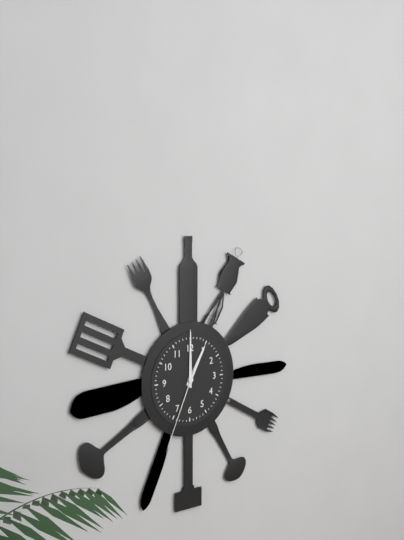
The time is {"hour": 1, "minute": 0, "second": 34}
